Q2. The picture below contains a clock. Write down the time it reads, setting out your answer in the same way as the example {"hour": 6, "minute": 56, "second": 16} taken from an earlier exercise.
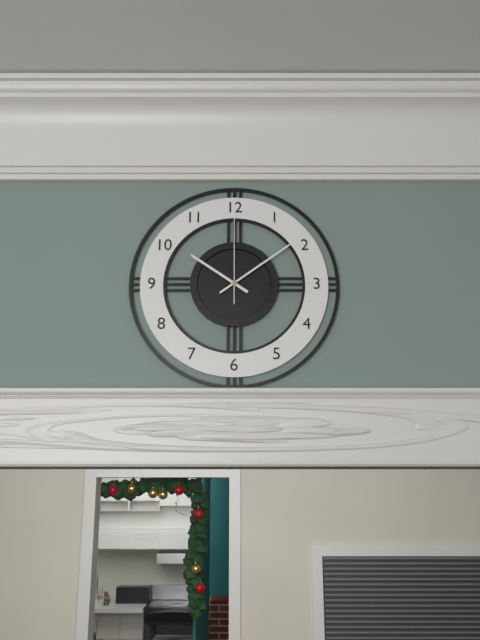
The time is {"hour": 10, "minute": 9, "second": 0}
